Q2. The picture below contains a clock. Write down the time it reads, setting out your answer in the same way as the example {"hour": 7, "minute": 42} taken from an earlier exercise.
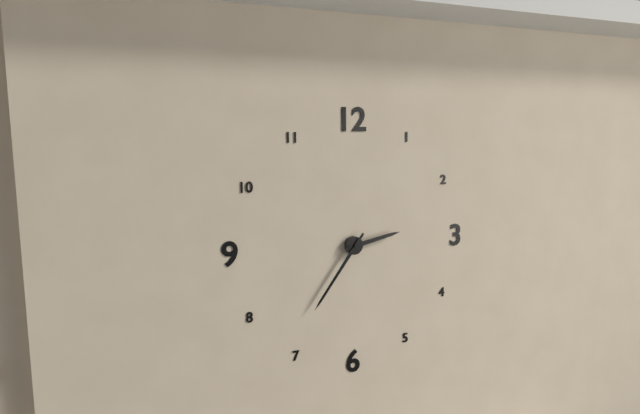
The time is {"hour": 2, "minute": 36}
